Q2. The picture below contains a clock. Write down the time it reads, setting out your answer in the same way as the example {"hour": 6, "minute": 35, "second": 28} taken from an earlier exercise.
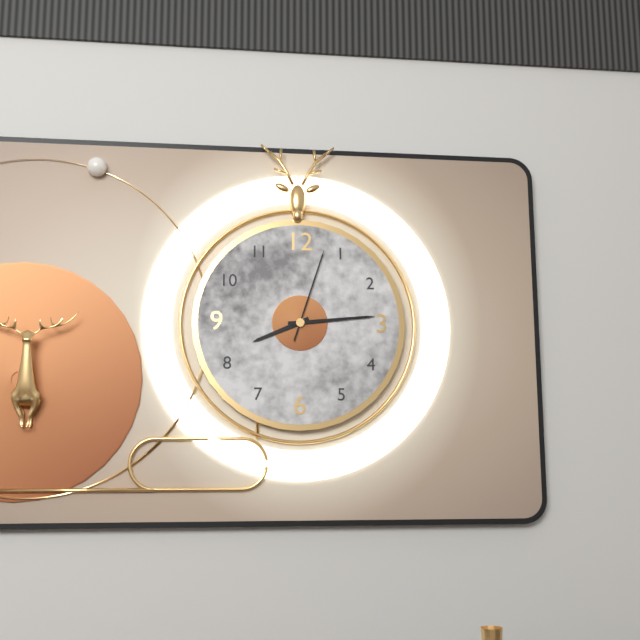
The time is {"hour": 8, "minute": 14, "second": 3}
